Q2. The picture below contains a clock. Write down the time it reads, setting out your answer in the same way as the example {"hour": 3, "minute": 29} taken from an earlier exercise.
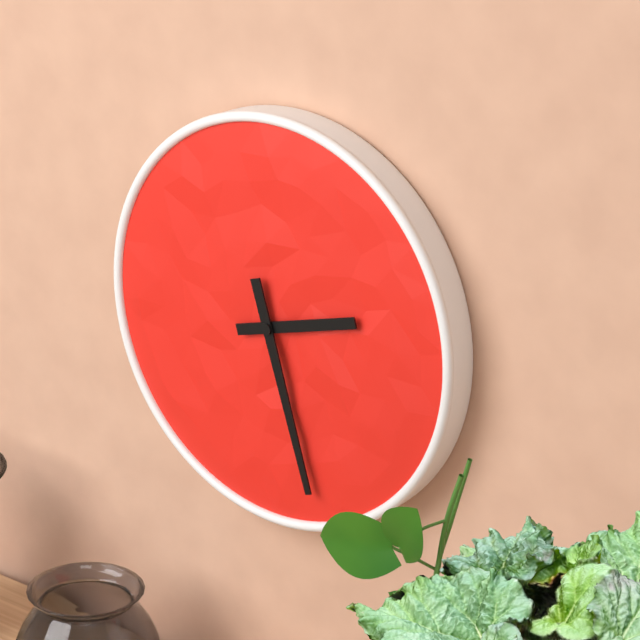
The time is {"hour": 2, "minute": 27}
